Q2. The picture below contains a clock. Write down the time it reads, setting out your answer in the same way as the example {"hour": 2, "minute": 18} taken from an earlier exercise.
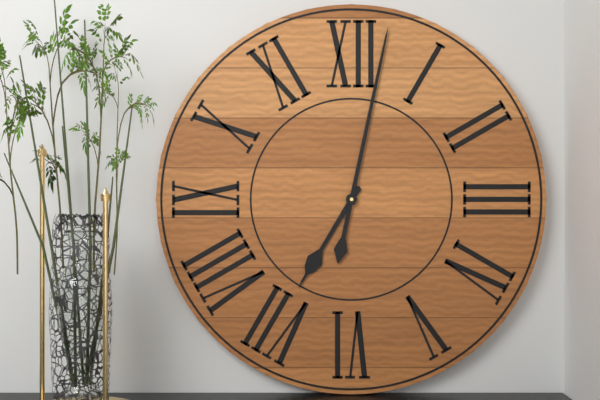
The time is {"hour": 7, "minute": 2}
